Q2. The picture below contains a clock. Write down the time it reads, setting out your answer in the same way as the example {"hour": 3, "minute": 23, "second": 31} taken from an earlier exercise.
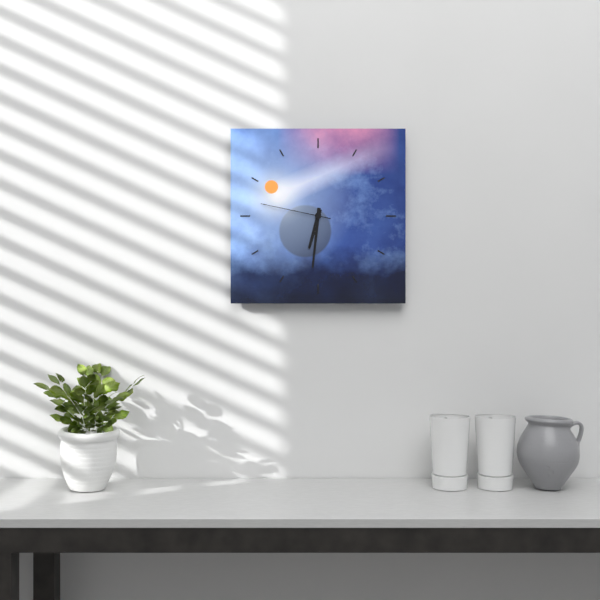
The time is {"hour": 6, "minute": 31, "second": 47}
